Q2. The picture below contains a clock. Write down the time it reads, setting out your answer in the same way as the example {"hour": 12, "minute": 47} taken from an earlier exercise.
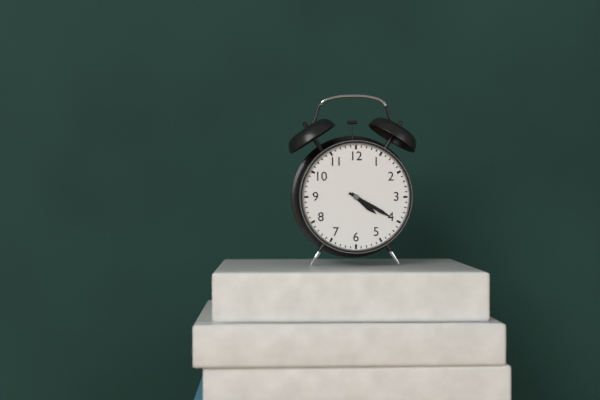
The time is {"hour": 4, "minute": 20}
